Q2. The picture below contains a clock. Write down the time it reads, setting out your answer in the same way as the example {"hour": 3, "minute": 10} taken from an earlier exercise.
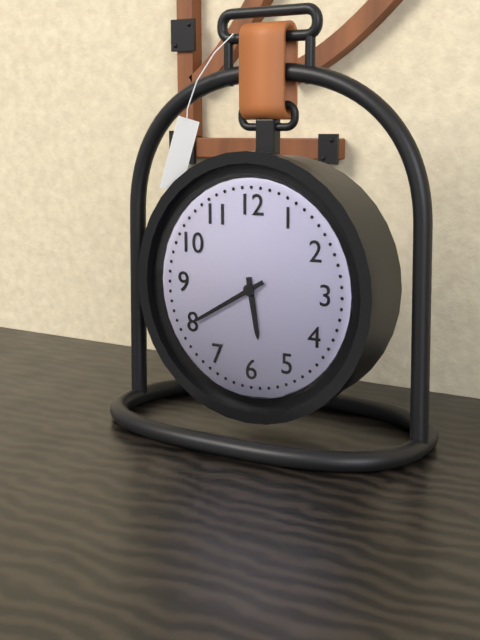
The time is {"hour": 5, "minute": 40}
